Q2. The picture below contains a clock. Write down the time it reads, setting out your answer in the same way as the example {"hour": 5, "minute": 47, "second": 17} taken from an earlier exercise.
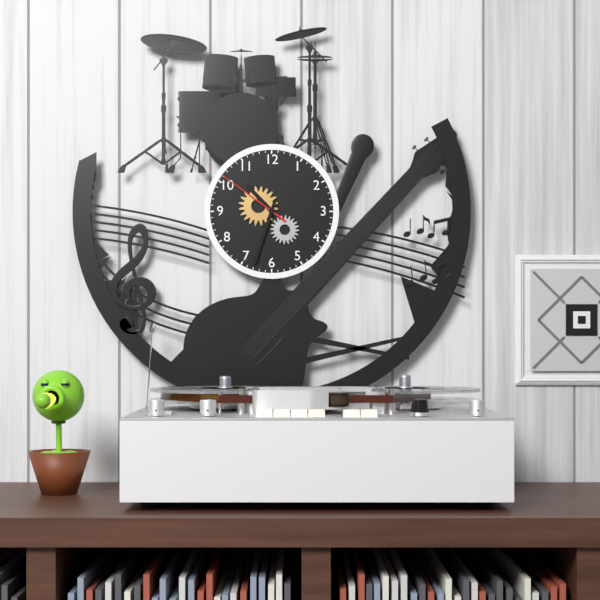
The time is {"hour": 10, "minute": 33, "second": 51}
